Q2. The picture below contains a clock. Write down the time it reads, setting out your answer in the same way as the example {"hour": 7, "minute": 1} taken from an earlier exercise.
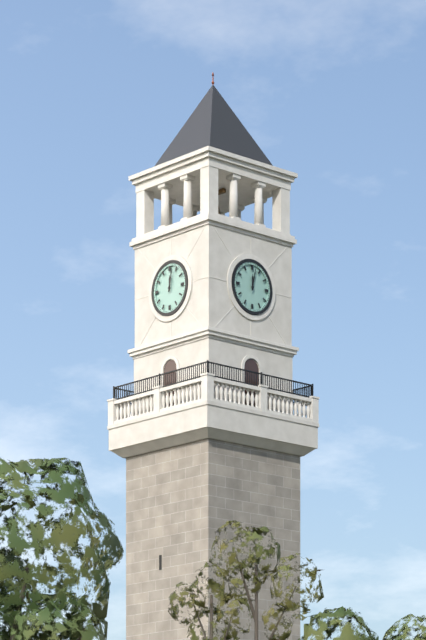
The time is {"hour": 12, "minute": 2}
